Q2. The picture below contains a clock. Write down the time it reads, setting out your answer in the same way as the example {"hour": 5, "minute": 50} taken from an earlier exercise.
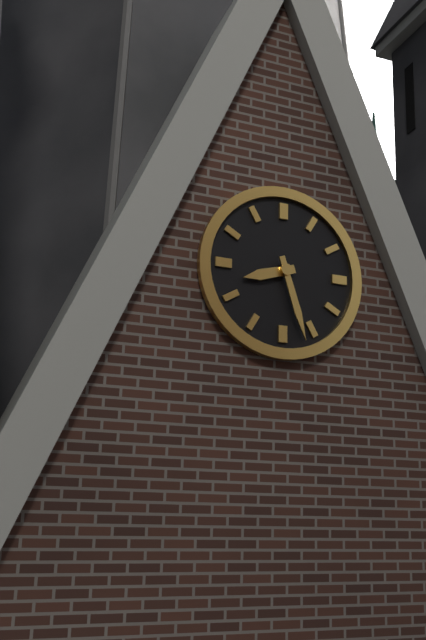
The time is {"hour": 8, "minute": 27}
